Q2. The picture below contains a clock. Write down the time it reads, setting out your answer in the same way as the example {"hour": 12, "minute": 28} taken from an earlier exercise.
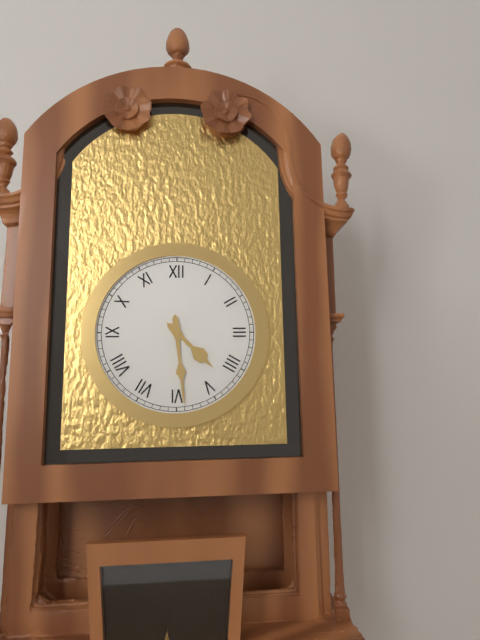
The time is {"hour": 4, "minute": 29}
